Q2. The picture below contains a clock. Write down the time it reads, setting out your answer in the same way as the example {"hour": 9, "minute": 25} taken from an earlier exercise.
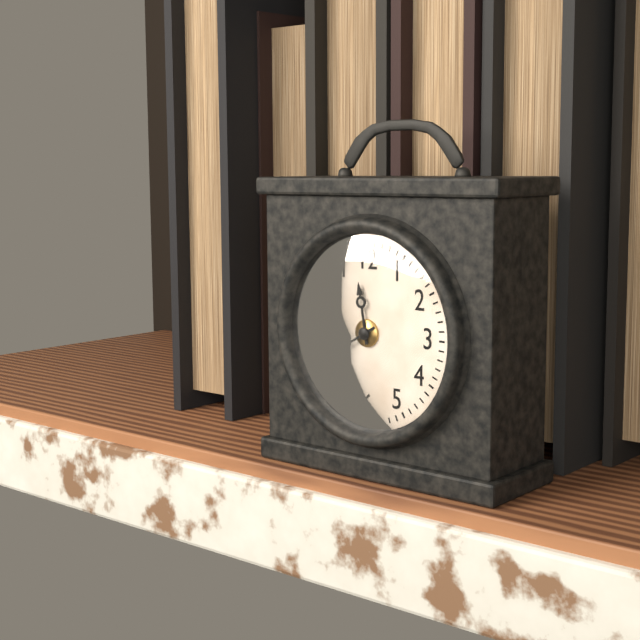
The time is {"hour": 11, "minute": 40}
